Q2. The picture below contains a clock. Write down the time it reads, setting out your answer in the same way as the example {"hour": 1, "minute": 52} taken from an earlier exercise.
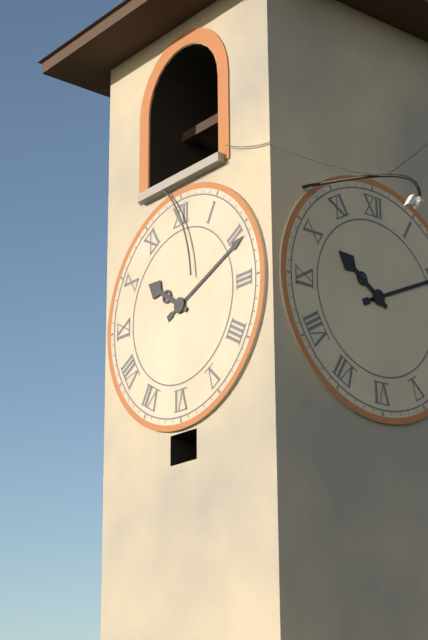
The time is {"hour": 10, "minute": 11}
